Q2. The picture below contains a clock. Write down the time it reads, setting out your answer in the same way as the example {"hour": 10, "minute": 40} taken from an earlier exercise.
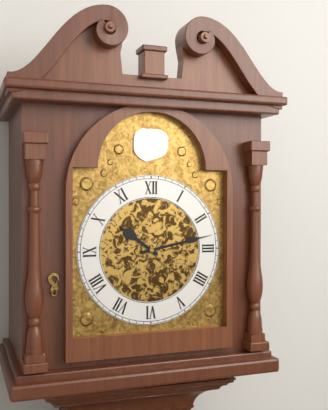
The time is {"hour": 10, "minute": 13}
